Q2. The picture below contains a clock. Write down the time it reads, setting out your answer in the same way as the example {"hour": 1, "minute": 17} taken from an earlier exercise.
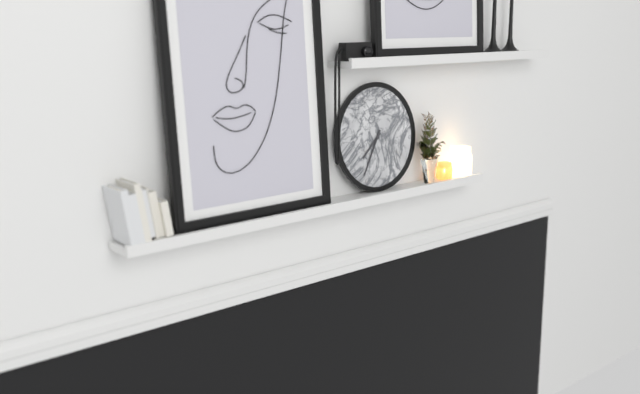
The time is {"hour": 7, "minute": 35}
